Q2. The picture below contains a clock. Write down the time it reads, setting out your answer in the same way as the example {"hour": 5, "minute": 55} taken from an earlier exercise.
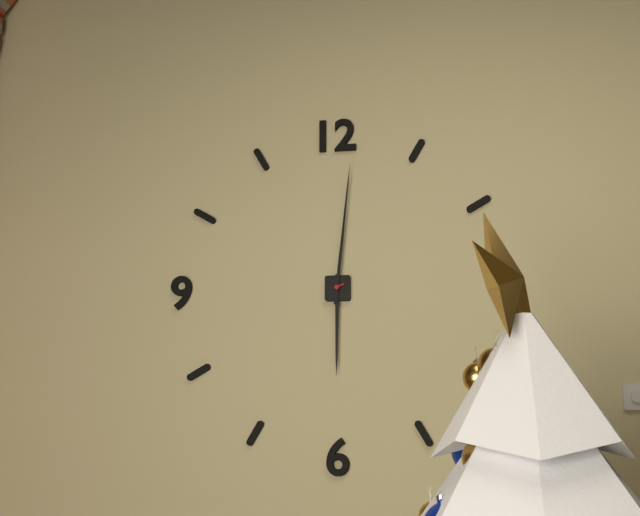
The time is {"hour": 6, "minute": 1}
